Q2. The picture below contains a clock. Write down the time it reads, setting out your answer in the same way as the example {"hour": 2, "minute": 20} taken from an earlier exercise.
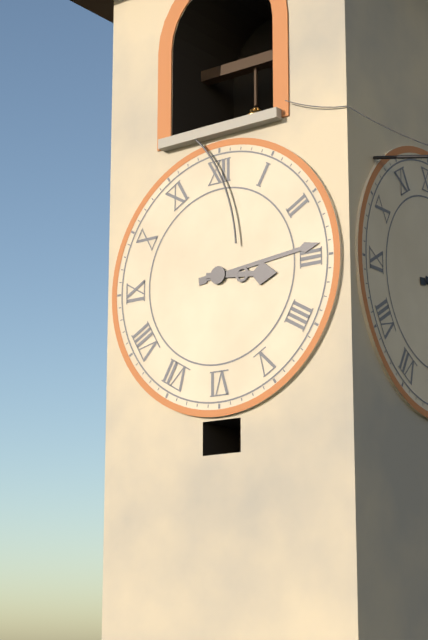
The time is {"hour": 3, "minute": 14}
